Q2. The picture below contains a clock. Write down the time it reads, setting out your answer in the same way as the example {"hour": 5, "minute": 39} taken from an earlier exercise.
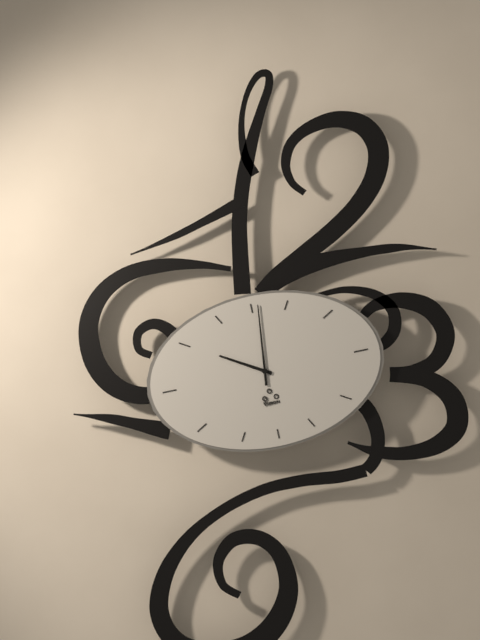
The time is {"hour": 10, "minute": 1}
